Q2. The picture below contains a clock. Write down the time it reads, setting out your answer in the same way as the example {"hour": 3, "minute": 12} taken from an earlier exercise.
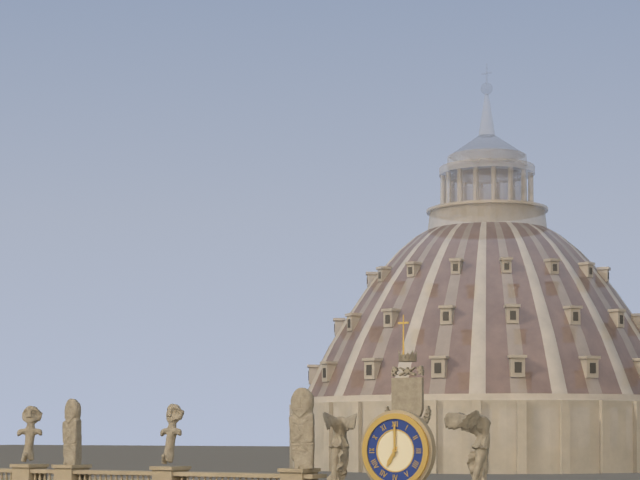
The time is {"hour": 7, "minute": 0}
